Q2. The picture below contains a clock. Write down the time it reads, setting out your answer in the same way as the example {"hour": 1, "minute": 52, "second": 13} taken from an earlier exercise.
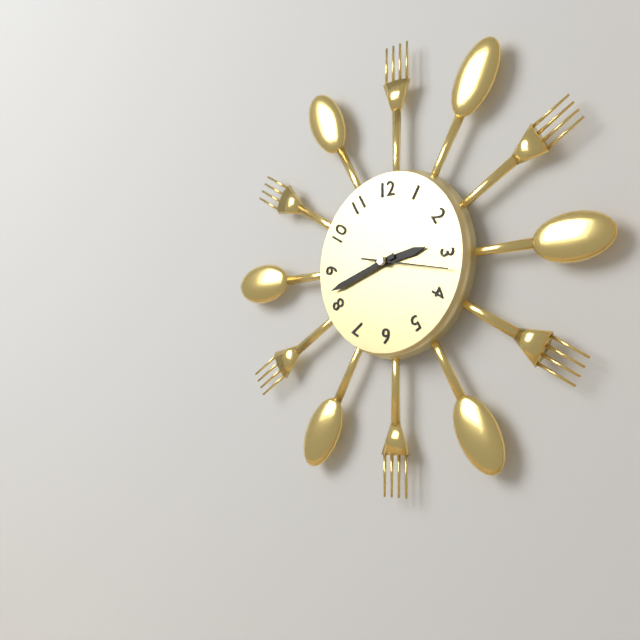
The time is {"hour": 2, "minute": 42, "second": 17}
